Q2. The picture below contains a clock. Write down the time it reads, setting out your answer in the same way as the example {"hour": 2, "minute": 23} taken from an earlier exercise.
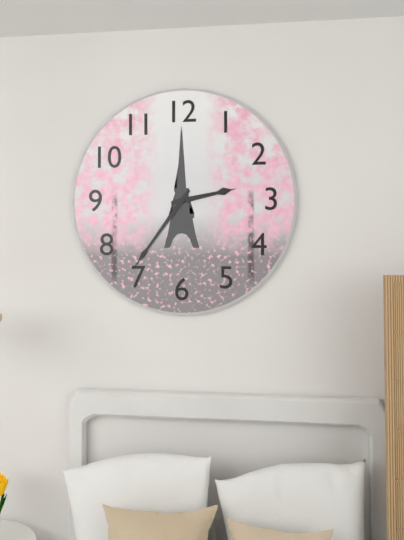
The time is {"hour": 2, "minute": 36}
